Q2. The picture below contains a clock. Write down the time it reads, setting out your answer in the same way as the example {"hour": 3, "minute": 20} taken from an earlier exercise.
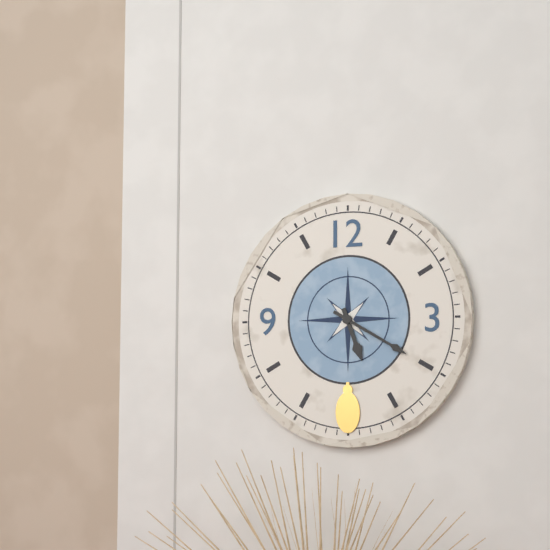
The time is {"hour": 5, "minute": 20}
